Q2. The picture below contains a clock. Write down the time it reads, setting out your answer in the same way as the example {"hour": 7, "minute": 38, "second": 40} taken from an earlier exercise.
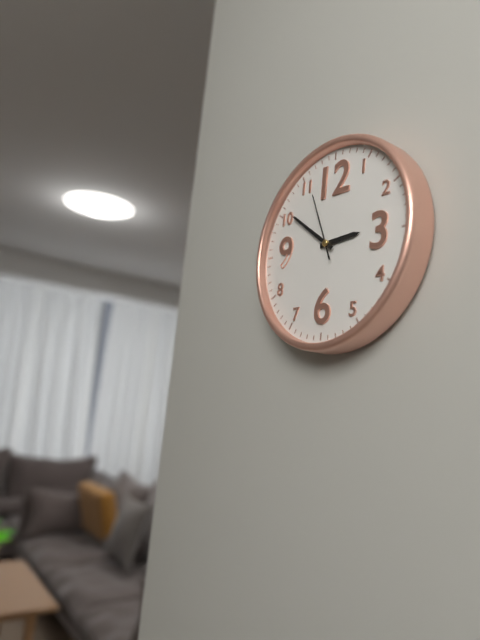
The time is {"hour": 2, "minute": 51, "second": 56}
